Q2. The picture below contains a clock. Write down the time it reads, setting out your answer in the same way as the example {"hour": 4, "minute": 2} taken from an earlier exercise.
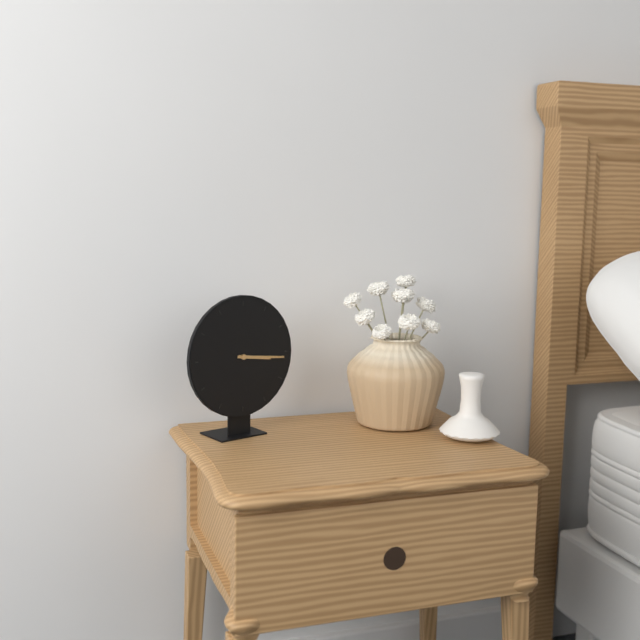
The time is {"hour": 3, "minute": 16}
